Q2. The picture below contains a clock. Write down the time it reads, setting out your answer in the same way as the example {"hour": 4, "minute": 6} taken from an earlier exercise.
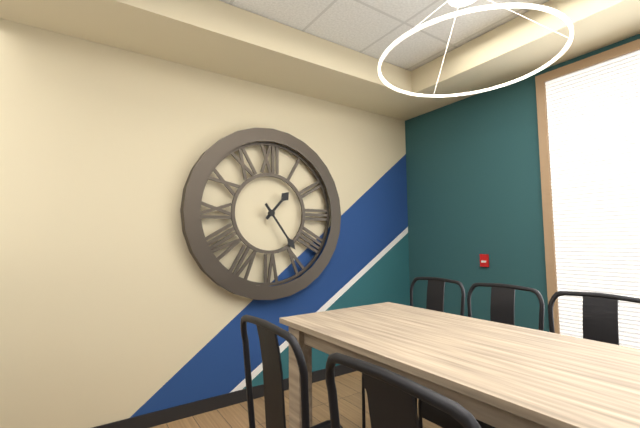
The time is {"hour": 1, "minute": 24}
